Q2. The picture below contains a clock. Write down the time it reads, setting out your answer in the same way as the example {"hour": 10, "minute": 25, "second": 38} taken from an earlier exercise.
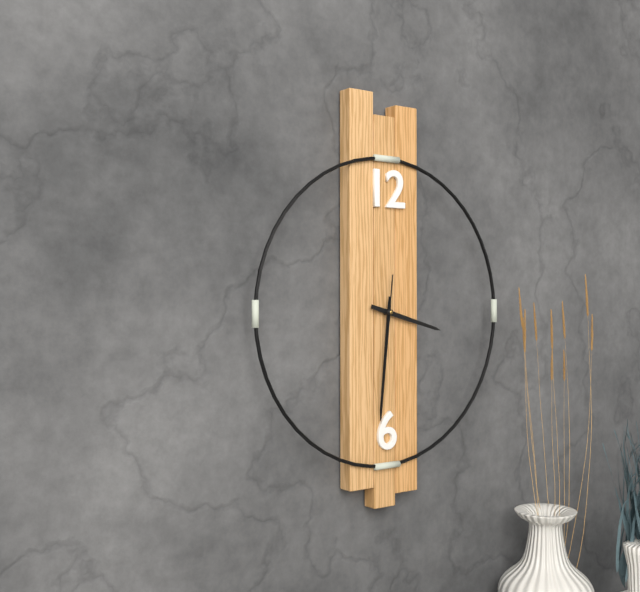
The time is {"hour": 3, "minute": 31, "second": 31}
